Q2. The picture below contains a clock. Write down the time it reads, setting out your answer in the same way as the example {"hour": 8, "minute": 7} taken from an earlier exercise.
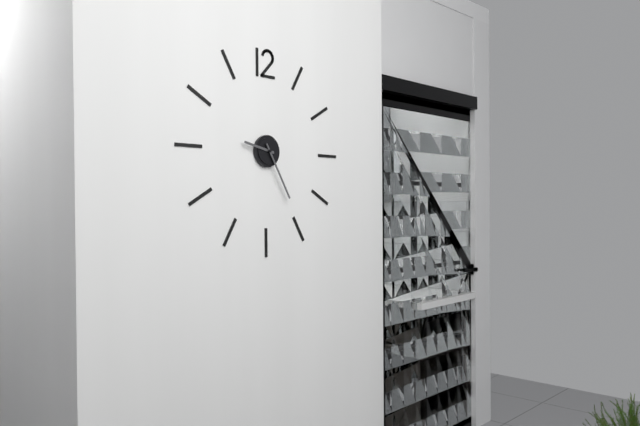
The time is {"hour": 9, "minute": 25}
